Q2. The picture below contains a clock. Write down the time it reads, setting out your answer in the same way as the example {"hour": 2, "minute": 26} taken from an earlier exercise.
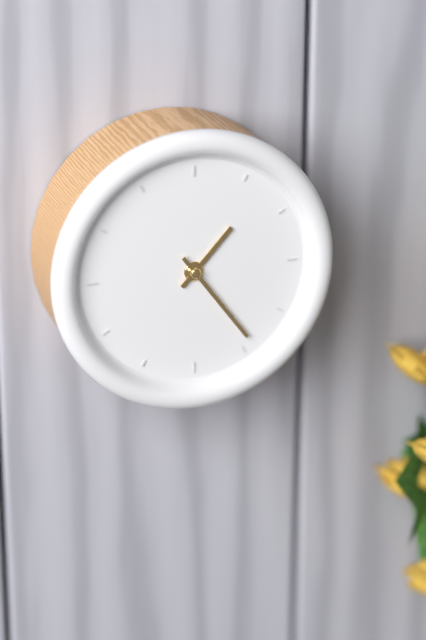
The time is {"hour": 1, "minute": 24}
